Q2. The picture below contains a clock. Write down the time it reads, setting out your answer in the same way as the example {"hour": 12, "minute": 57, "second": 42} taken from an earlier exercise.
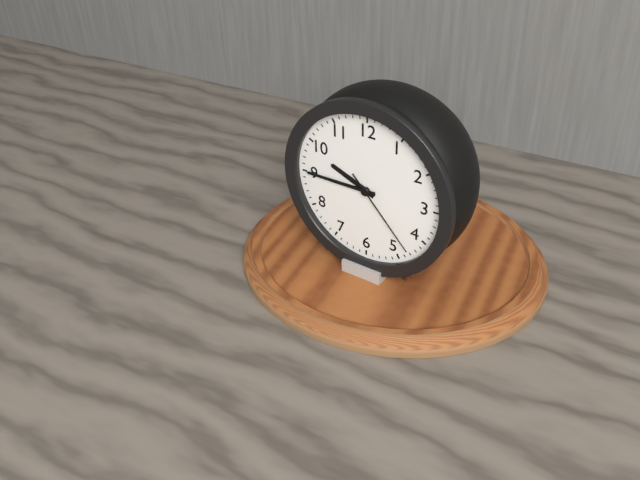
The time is {"hour": 9, "minute": 45, "second": 23}
